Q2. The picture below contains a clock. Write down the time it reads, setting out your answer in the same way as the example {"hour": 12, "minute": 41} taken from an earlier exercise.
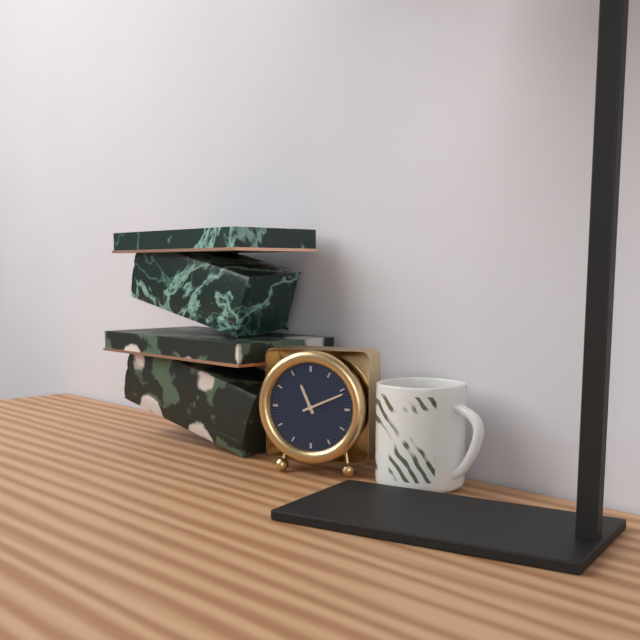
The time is {"hour": 11, "minute": 11}
